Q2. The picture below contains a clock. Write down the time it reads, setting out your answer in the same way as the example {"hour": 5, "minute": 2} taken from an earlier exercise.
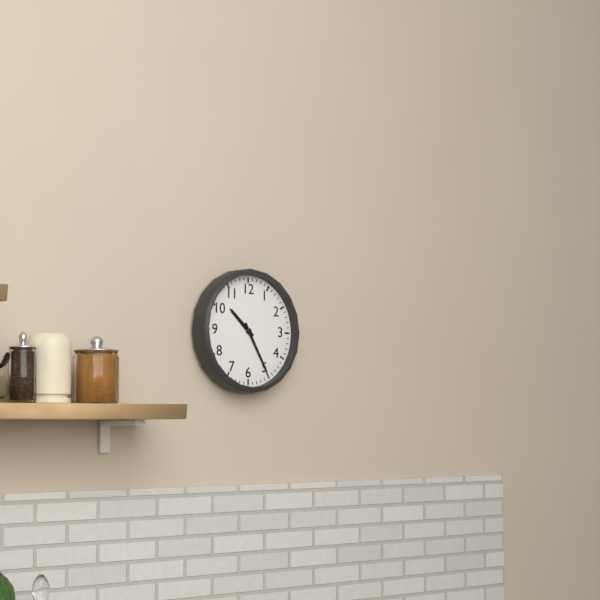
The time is {"hour": 10, "minute": 25}
